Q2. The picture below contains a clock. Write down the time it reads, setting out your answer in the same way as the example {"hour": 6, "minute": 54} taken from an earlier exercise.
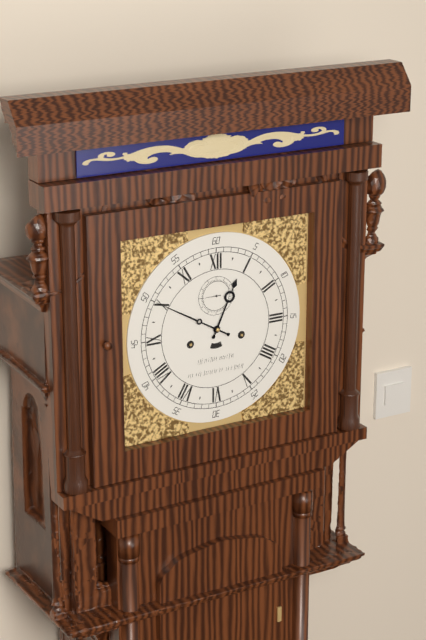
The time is {"hour": 12, "minute": 50}
